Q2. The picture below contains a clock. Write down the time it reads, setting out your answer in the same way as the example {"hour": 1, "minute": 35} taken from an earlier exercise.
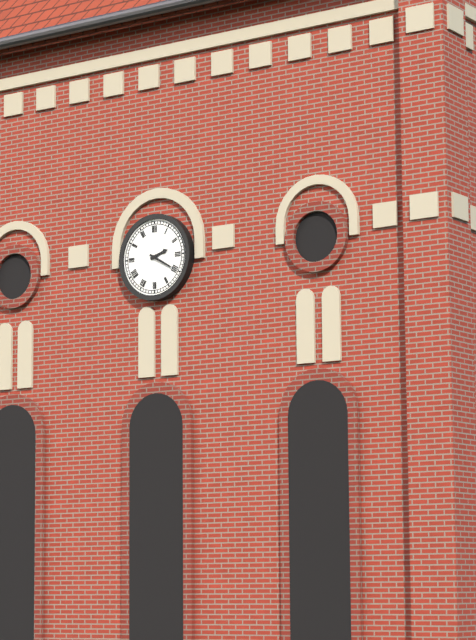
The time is {"hour": 2, "minute": 20}
